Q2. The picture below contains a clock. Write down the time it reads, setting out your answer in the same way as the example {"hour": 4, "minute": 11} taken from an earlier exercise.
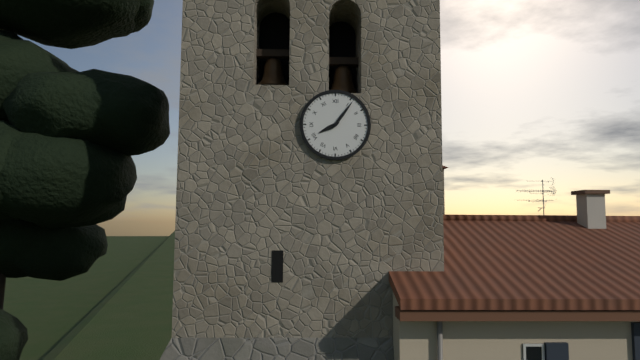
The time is {"hour": 8, "minute": 6}
